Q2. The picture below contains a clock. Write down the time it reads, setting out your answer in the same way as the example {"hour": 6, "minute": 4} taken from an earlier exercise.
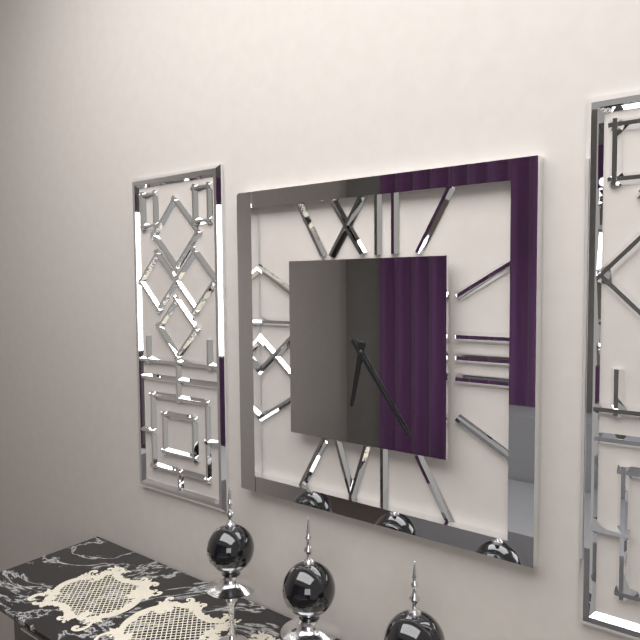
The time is {"hour": 6, "minute": 24}
